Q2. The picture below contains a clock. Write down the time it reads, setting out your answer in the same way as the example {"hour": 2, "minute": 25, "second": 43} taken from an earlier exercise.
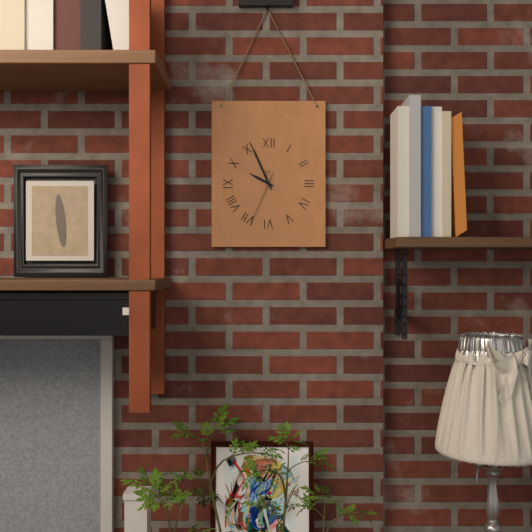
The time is {"hour": 9, "minute": 56, "second": 34}
